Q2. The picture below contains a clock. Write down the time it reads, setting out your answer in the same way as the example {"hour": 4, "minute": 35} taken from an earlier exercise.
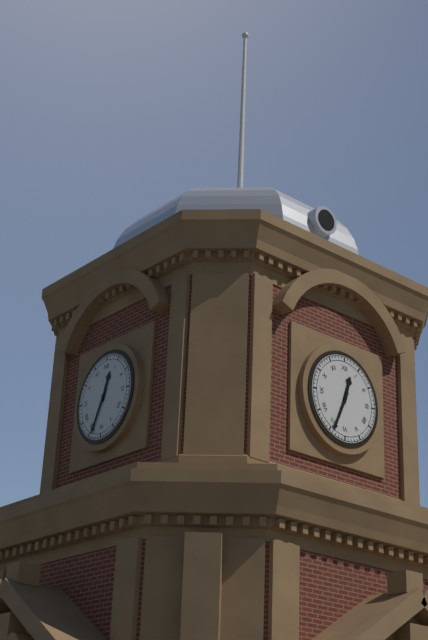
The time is {"hour": 12, "minute": 34}
